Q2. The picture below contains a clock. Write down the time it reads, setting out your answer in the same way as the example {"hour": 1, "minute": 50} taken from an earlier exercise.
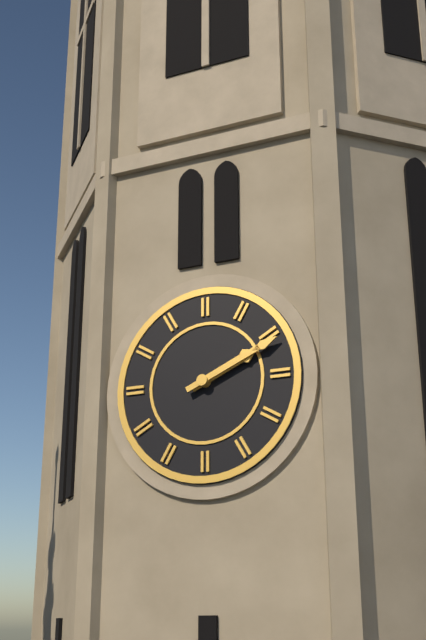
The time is {"hour": 2, "minute": 11}
